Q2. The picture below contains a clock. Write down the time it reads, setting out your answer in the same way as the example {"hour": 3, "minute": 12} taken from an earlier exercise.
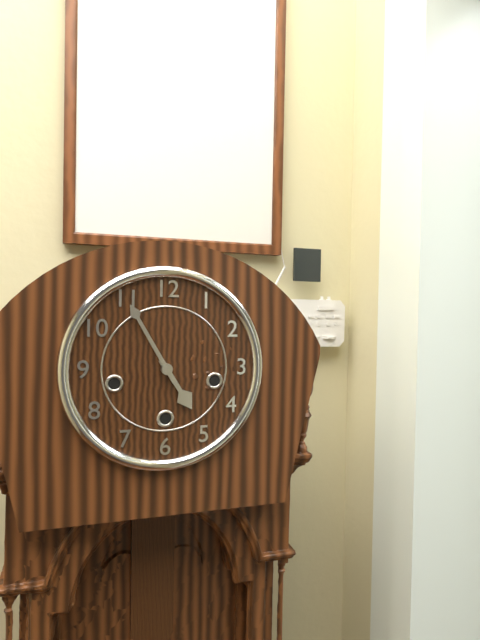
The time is {"hour": 4, "minute": 55}
